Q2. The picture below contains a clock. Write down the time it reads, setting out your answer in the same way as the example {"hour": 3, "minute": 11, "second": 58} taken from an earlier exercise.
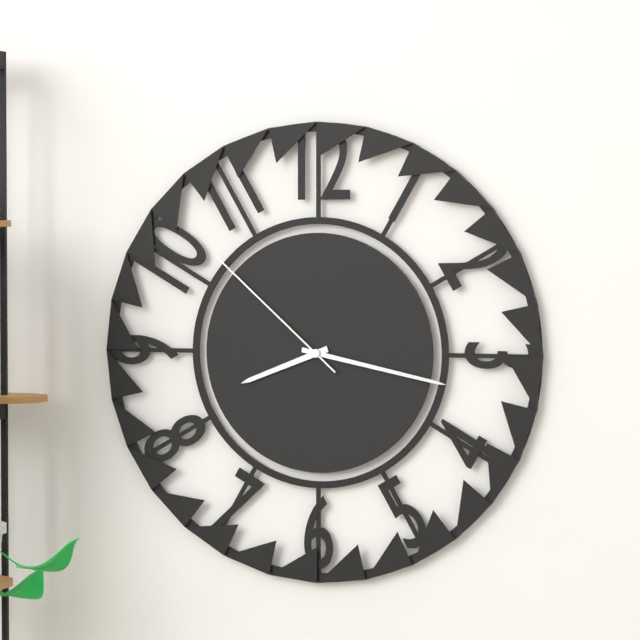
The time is {"hour": 8, "minute": 17, "second": 52}
